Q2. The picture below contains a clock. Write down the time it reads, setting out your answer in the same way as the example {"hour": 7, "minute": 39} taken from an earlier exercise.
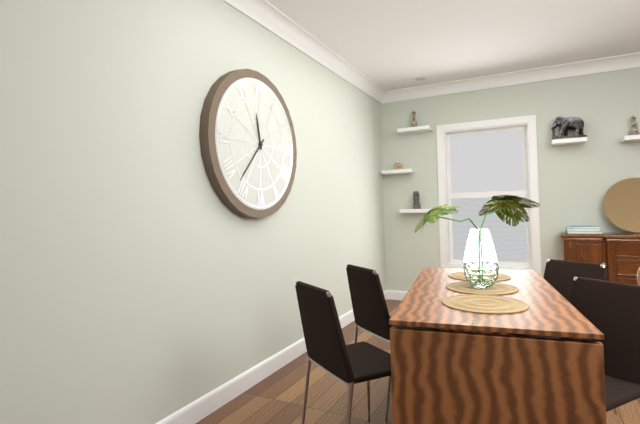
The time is {"hour": 11, "minute": 37}
